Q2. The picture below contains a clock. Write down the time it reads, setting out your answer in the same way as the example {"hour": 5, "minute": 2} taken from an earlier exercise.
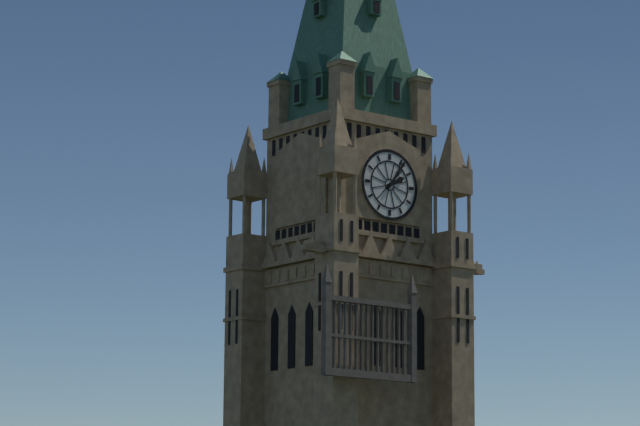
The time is {"hour": 2, "minute": 6}
